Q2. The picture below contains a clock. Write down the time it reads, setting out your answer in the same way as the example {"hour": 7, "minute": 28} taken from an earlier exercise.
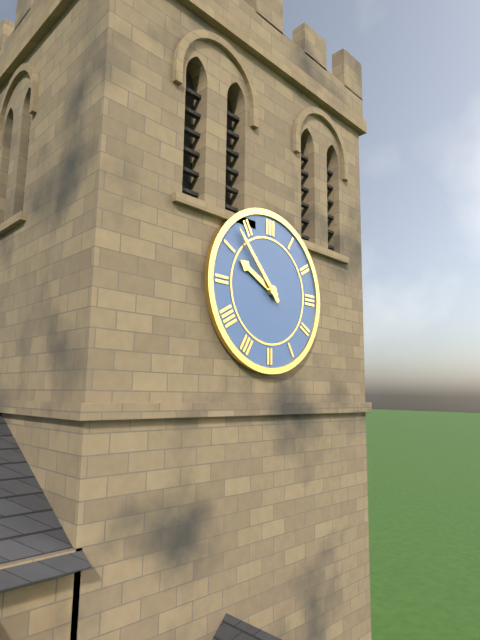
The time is {"hour": 9, "minute": 53}
